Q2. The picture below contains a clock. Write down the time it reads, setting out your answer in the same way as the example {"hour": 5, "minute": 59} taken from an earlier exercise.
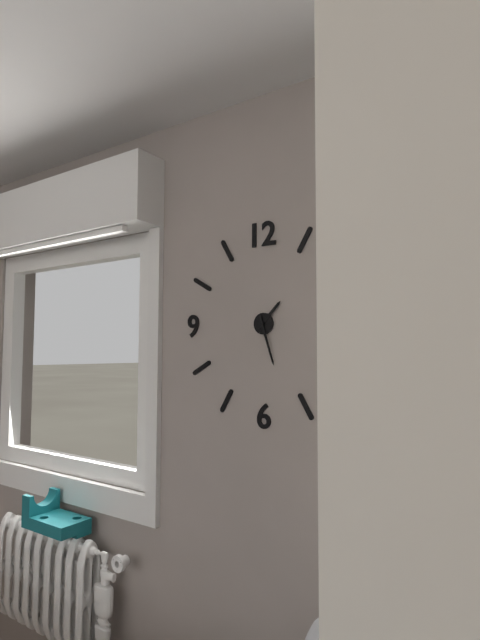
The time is {"hour": 1, "minute": 27}
